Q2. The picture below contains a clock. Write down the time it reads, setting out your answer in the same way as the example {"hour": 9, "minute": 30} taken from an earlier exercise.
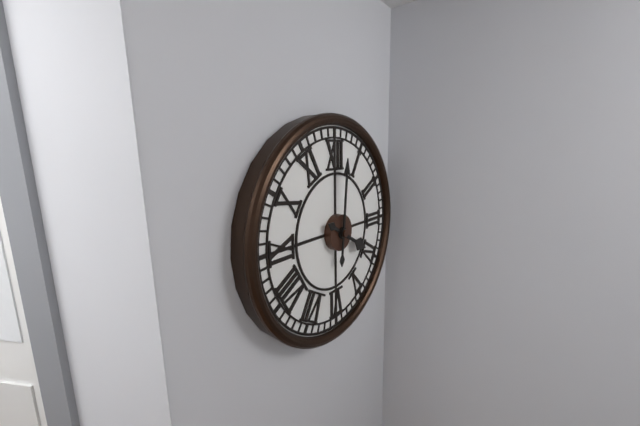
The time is {"hour": 4, "minute": 1}
